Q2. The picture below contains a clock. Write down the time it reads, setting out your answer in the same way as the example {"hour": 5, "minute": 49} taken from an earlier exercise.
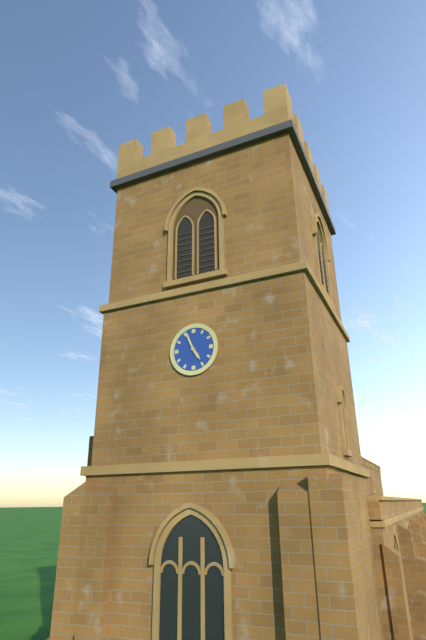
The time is {"hour": 4, "minute": 56}
